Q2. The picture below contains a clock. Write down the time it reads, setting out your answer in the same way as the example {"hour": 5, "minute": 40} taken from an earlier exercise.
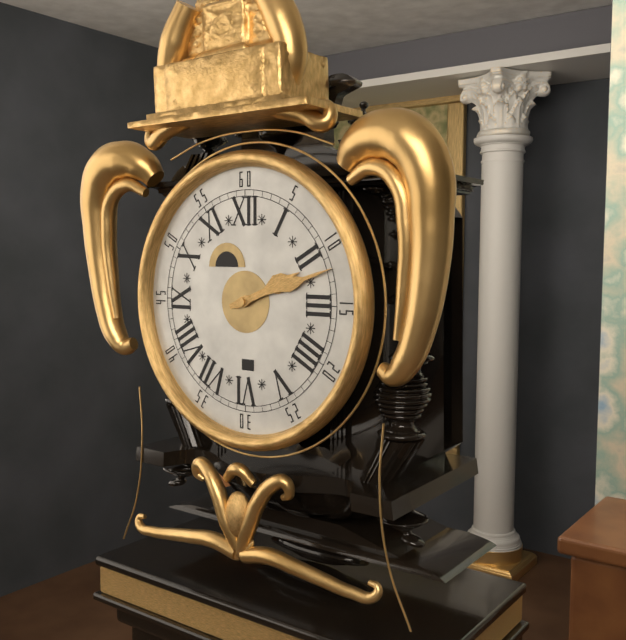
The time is {"hour": 2, "minute": 12}
